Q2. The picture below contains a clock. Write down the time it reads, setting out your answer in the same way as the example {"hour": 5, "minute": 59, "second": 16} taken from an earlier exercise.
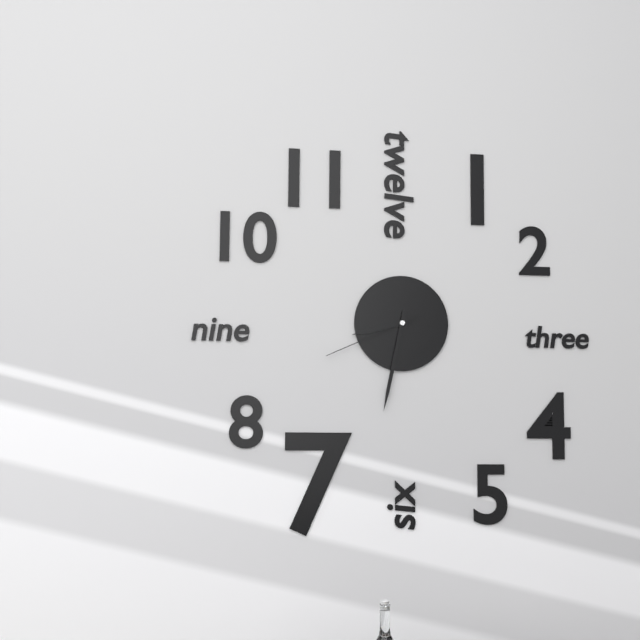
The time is {"hour": 8, "minute": 32, "second": 41}
